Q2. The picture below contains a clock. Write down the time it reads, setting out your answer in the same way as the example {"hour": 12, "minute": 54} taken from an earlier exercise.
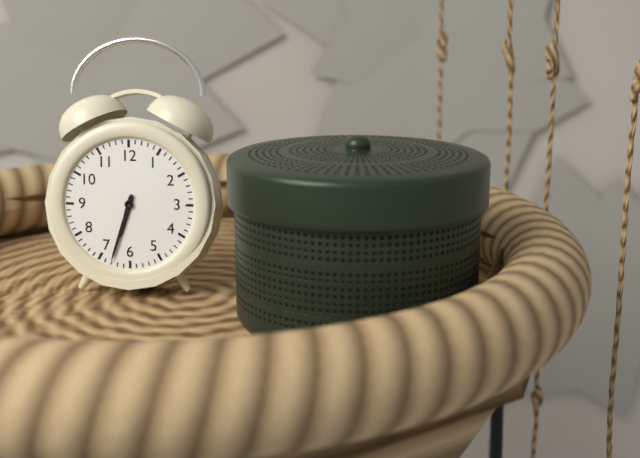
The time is {"hour": 6, "minute": 33}
